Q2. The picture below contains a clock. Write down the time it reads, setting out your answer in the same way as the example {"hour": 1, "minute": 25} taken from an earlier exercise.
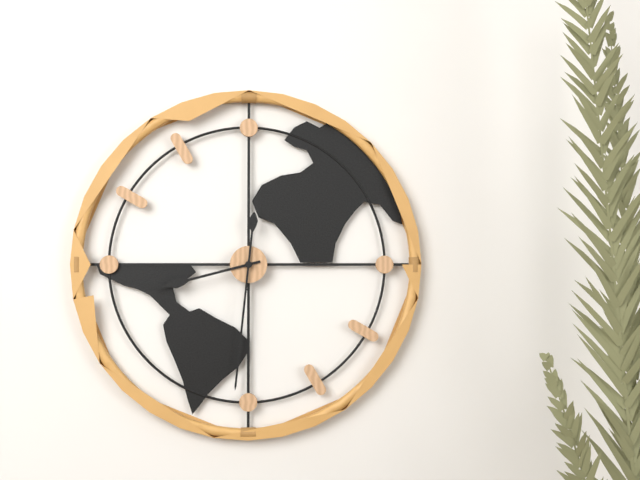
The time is {"hour": 8, "minute": 31}
